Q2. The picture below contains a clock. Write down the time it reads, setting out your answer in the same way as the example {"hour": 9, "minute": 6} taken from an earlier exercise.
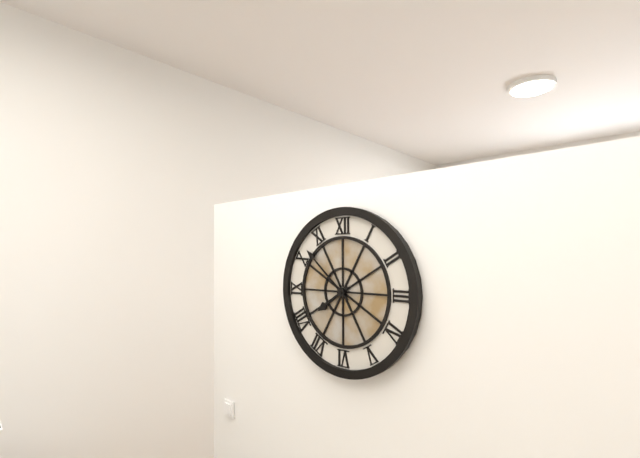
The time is {"hour": 7, "minute": 52}
